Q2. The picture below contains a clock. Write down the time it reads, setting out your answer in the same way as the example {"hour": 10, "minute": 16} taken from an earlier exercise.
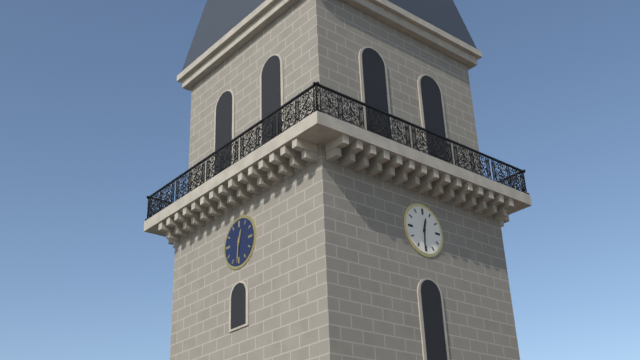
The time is {"hour": 12, "minute": 31}
